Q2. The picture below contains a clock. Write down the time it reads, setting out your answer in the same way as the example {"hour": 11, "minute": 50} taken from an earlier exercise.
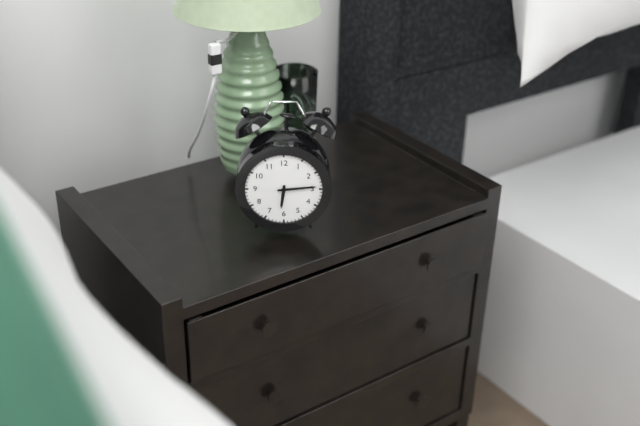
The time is {"hour": 6, "minute": 14}
